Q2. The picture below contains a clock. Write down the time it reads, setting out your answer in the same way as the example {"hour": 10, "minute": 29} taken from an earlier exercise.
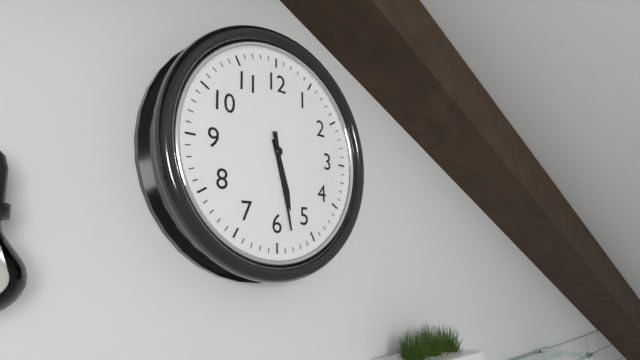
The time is {"hour": 5, "minute": 28}
